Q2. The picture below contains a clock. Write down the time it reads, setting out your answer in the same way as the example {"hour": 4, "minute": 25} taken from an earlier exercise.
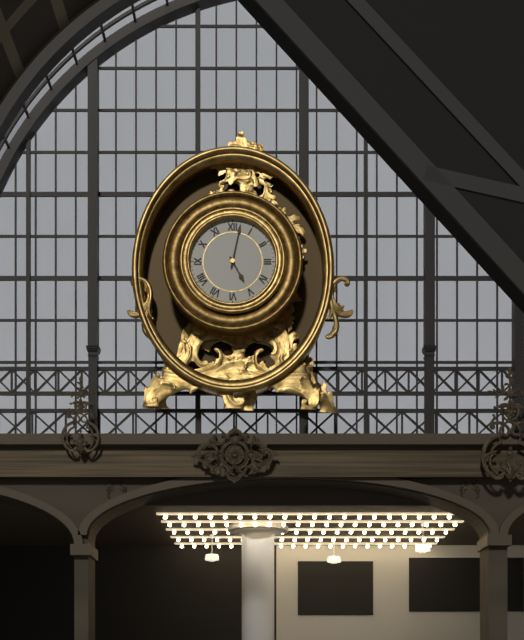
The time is {"hour": 5, "minute": 2}
